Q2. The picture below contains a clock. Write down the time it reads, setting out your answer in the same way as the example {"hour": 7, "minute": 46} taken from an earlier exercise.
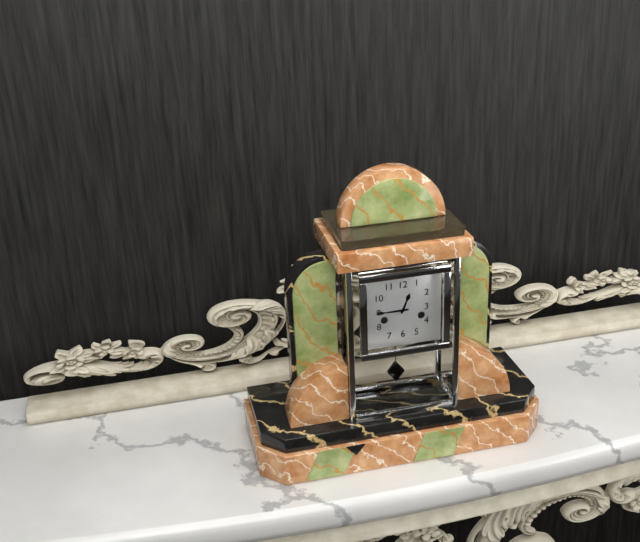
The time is {"hour": 12, "minute": 45}
